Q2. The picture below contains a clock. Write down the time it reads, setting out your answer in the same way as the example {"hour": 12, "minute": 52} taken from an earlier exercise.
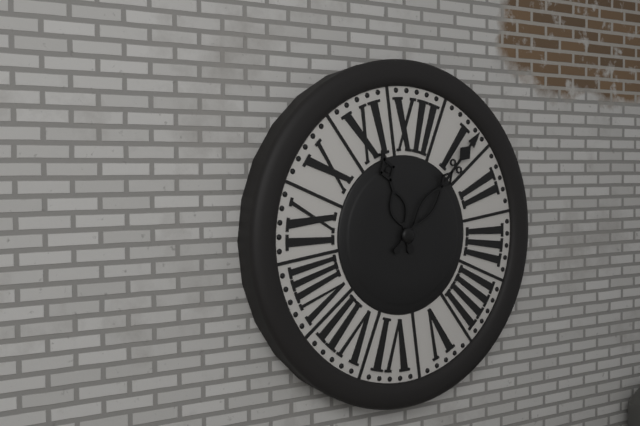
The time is {"hour": 11, "minute": 6}
